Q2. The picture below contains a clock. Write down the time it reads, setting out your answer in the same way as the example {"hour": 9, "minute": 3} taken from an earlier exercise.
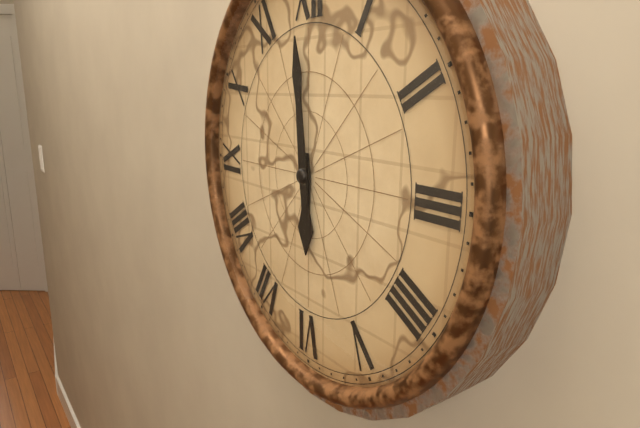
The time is {"hour": 5, "minute": 59}
